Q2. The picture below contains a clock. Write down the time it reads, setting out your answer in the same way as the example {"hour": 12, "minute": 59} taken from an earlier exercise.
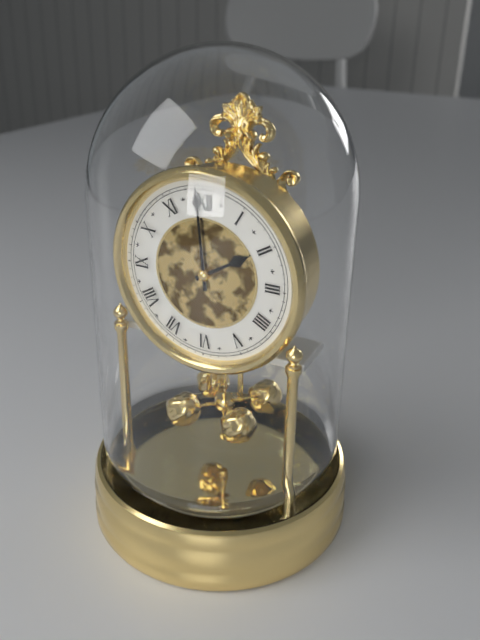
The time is {"hour": 1, "minute": 59}
